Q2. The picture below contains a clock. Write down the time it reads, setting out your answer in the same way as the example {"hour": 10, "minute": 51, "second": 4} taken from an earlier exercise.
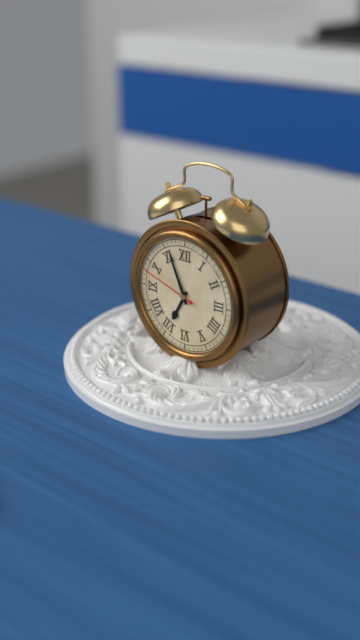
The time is {"hour": 6, "minute": 56, "second": 48}
